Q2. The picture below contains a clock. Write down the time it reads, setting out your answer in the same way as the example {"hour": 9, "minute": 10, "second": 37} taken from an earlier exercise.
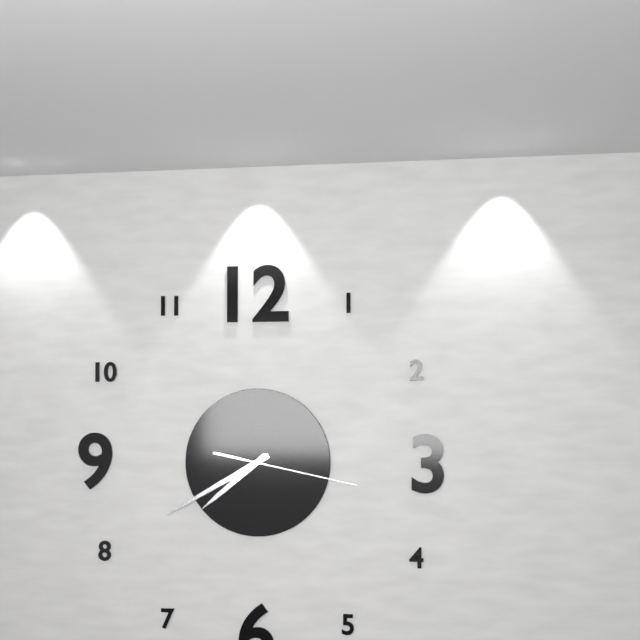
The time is {"hour": 7, "minute": 40, "second": 17}
